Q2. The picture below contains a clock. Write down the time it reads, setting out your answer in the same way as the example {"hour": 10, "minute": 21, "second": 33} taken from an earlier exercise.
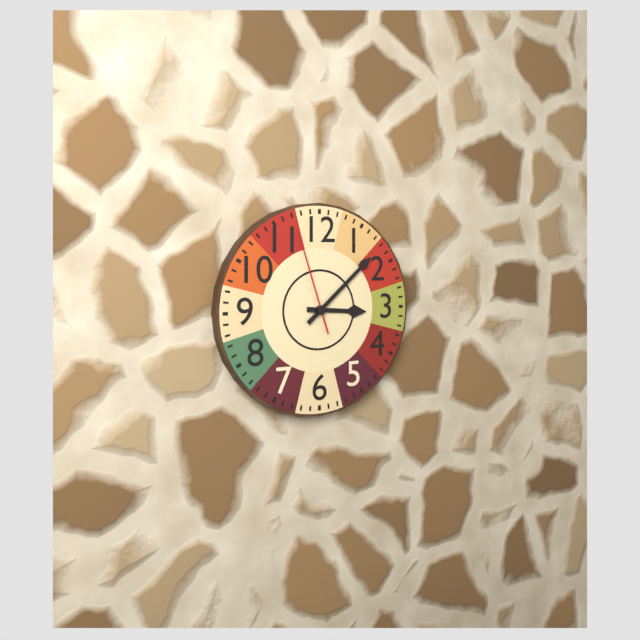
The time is {"hour": 3, "minute": 8, "second": 57}
